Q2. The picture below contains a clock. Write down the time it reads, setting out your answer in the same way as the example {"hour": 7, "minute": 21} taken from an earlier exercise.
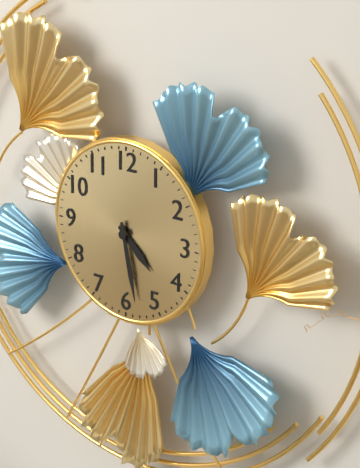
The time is {"hour": 4, "minute": 28}
